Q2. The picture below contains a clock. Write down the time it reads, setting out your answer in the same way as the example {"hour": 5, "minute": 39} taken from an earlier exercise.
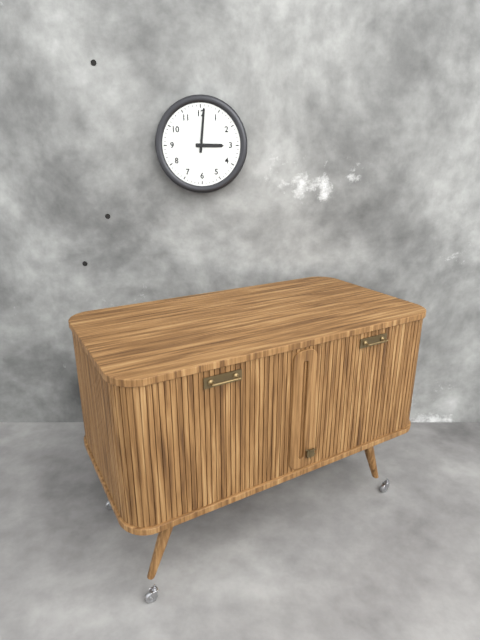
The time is {"hour": 3, "minute": 1}
